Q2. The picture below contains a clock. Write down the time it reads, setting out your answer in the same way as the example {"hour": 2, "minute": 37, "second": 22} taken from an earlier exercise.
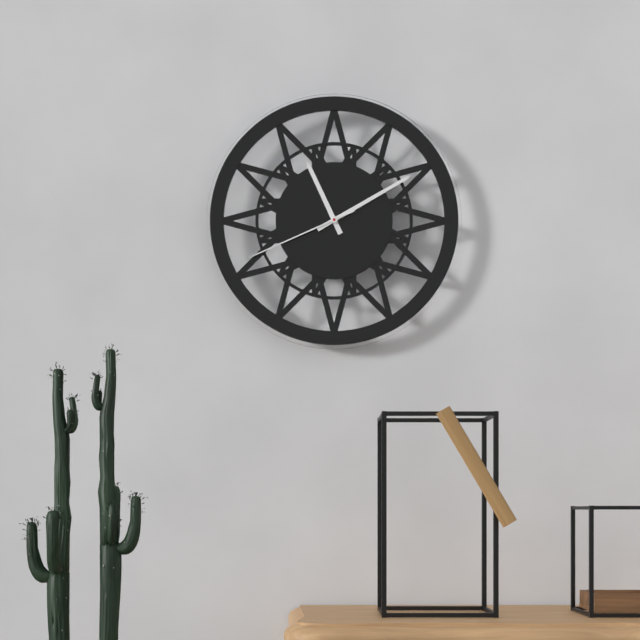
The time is {"hour": 11, "minute": 10, "second": 41}
